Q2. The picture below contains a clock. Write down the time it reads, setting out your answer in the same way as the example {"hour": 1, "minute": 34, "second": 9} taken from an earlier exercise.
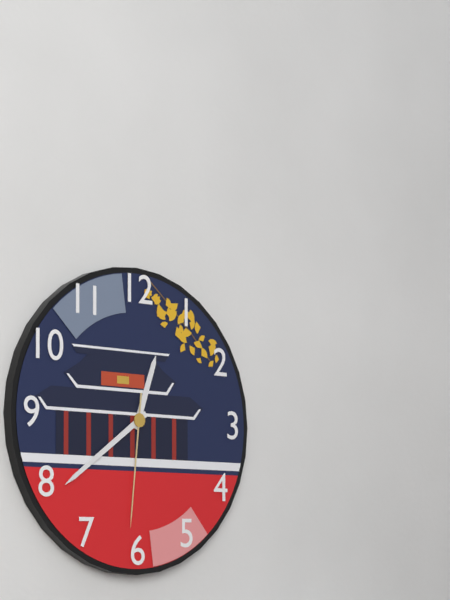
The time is {"hour": 12, "minute": 39, "second": 31}
